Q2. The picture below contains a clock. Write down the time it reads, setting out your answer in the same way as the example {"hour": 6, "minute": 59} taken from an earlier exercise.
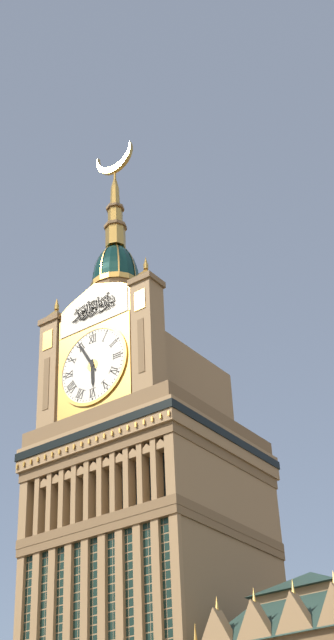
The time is {"hour": 5, "minute": 55}
